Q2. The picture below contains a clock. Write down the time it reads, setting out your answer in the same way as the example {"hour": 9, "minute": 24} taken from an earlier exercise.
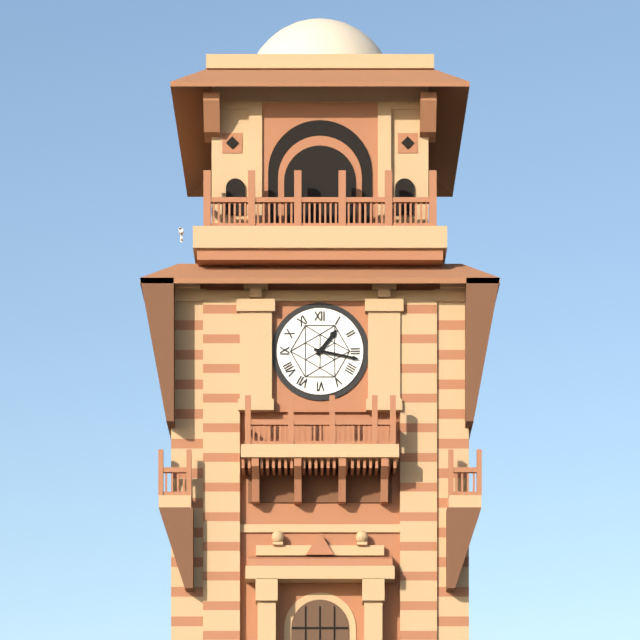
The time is {"hour": 1, "minute": 17}
